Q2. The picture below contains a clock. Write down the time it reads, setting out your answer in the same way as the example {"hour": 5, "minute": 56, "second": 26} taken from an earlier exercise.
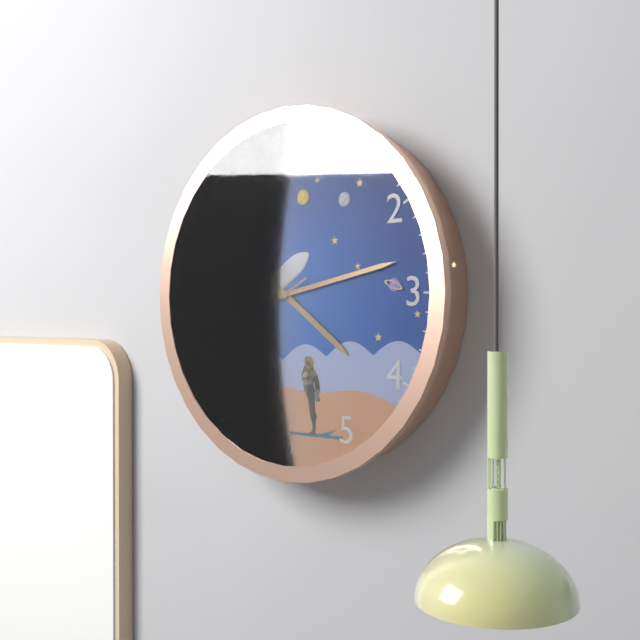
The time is {"hour": 4, "minute": 13, "second": 40}
